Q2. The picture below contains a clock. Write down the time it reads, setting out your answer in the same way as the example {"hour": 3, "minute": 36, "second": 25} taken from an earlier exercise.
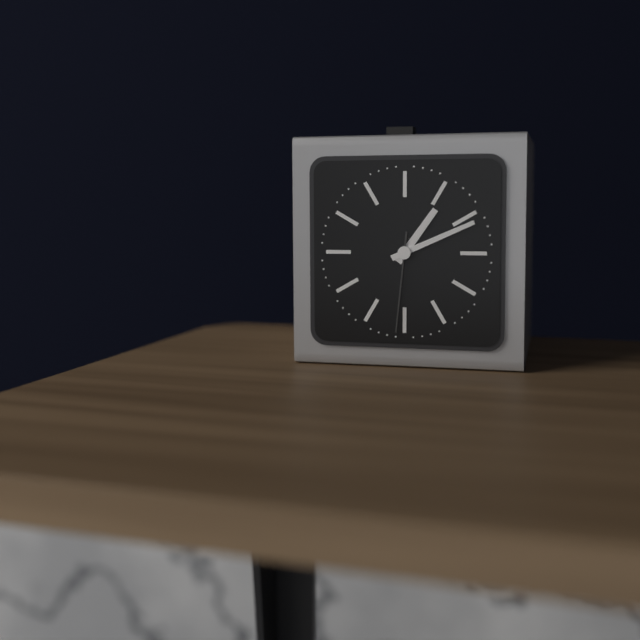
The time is {"hour": 1, "minute": 11, "second": 31}
